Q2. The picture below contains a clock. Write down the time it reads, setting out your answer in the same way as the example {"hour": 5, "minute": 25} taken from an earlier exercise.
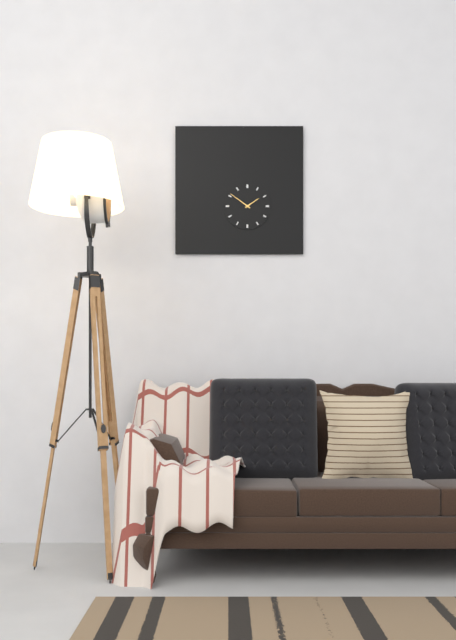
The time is {"hour": 1, "minute": 51}
